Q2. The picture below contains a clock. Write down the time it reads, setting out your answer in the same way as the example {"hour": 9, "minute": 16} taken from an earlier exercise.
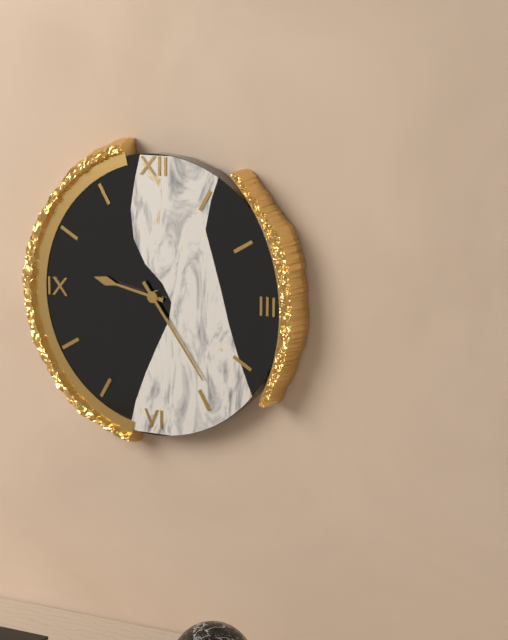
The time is {"hour": 9, "minute": 24}
